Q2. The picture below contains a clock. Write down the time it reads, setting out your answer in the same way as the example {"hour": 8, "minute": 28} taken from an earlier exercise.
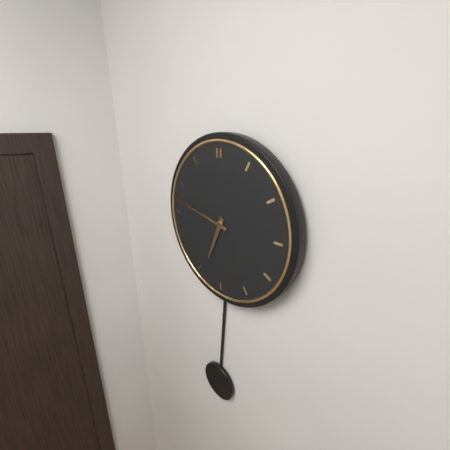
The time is {"hour": 6, "minute": 47}
